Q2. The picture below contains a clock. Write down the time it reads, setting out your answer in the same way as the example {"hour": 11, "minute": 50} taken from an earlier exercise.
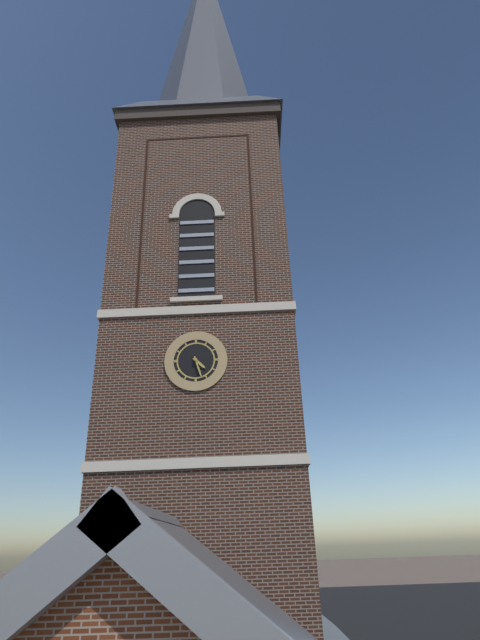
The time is {"hour": 4, "minute": 27}
